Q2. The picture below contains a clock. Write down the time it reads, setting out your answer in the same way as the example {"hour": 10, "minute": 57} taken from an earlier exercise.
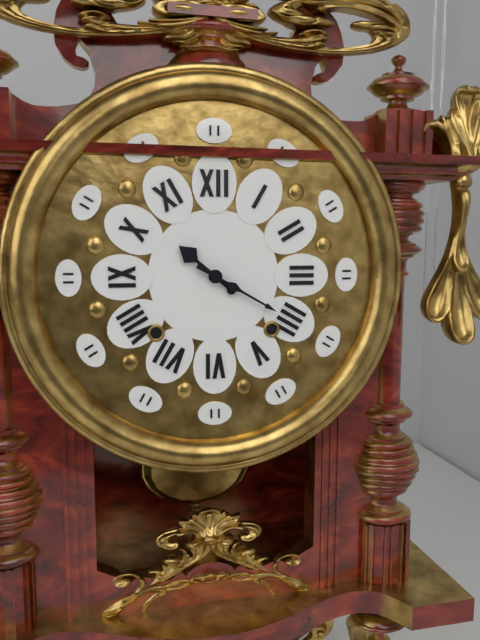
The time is {"hour": 10, "minute": 20}
